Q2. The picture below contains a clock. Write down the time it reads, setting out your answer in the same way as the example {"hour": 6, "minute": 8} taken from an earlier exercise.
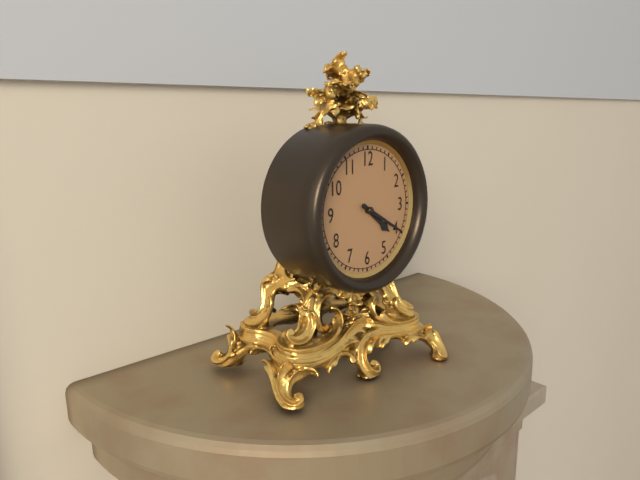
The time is {"hour": 4, "minute": 20}
